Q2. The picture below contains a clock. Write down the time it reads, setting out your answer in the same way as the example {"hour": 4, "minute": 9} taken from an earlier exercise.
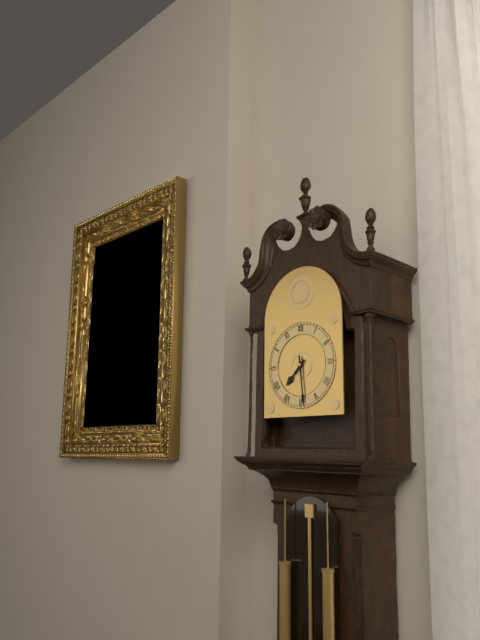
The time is {"hour": 7, "minute": 29}
